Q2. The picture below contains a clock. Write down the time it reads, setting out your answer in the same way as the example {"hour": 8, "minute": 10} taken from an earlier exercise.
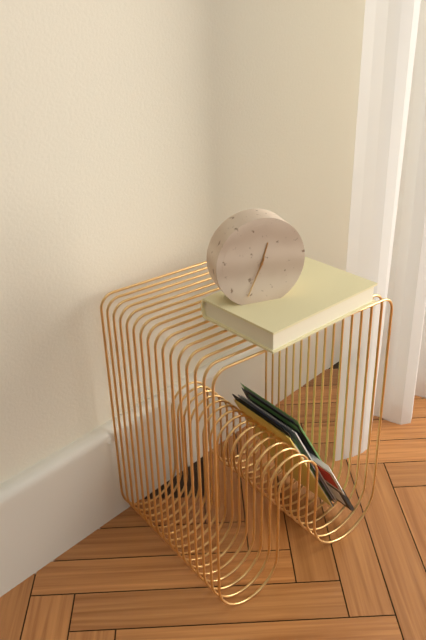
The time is {"hour": 12, "minute": 34}
